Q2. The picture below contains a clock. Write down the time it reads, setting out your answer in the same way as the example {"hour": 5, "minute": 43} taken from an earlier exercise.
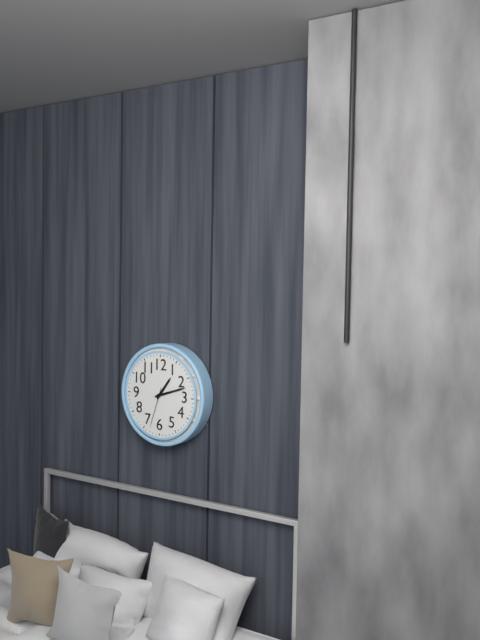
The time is {"hour": 1, "minute": 12}
